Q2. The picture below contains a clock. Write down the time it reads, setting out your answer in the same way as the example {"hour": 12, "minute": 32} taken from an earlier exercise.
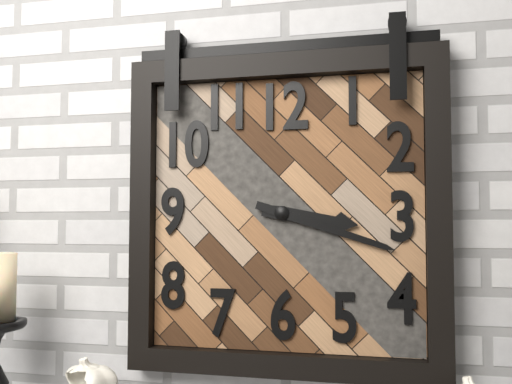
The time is {"hour": 3, "minute": 18}
